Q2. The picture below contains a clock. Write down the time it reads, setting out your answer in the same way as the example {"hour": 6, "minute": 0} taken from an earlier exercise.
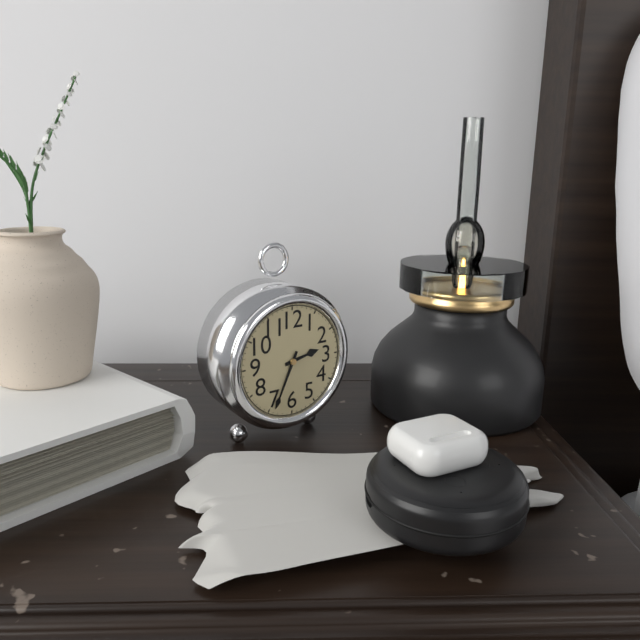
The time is {"hour": 2, "minute": 34}
